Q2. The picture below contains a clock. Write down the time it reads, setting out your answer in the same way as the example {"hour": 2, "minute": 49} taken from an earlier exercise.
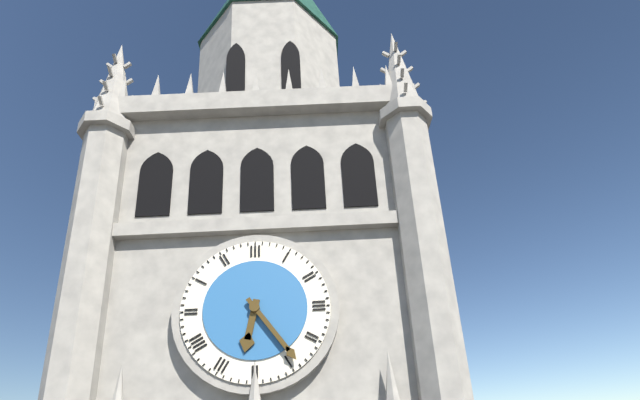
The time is {"hour": 6, "minute": 24}
